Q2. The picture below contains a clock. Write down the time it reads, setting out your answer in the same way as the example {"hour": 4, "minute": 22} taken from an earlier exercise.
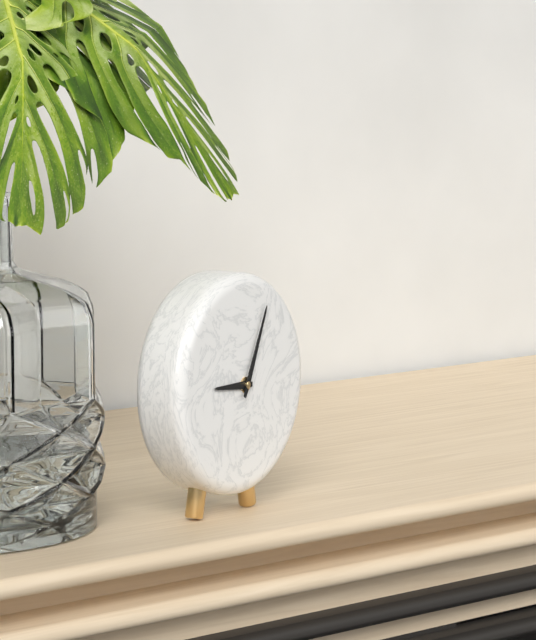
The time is {"hour": 9, "minute": 4}
